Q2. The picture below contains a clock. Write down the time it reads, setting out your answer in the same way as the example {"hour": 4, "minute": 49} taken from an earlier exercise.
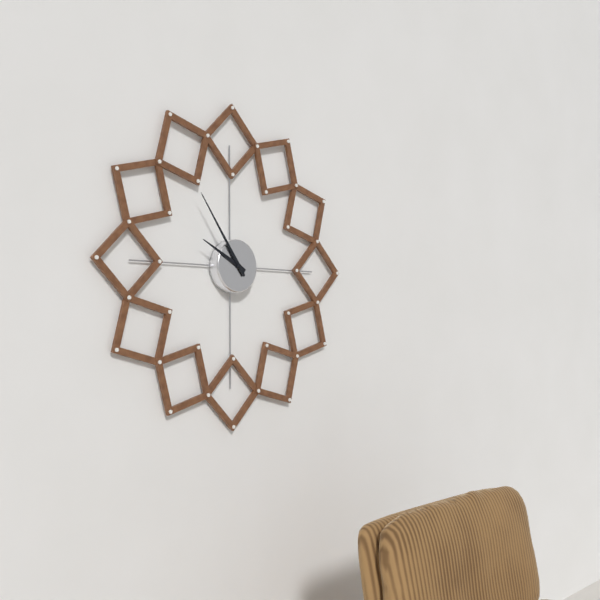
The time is {"hour": 9, "minute": 54}
